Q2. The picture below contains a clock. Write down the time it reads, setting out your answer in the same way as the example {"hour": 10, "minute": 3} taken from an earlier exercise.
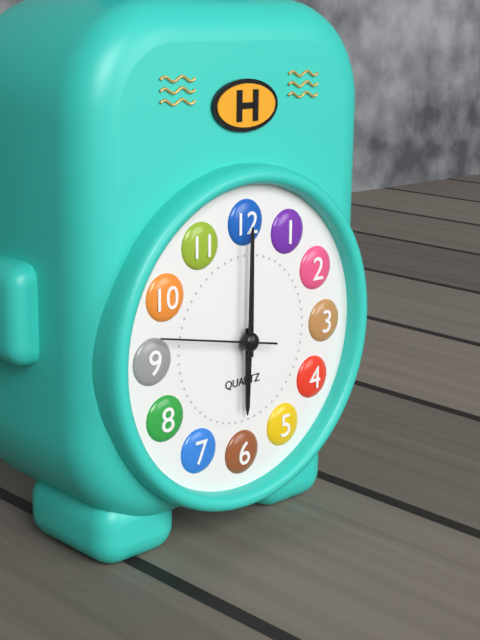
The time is {"hour": 6, "minute": 0}
